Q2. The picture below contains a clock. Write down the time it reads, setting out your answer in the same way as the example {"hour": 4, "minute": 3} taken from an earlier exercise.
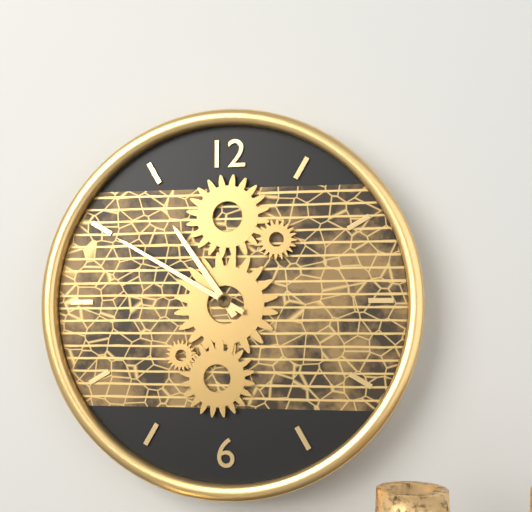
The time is {"hour": 10, "minute": 50}
